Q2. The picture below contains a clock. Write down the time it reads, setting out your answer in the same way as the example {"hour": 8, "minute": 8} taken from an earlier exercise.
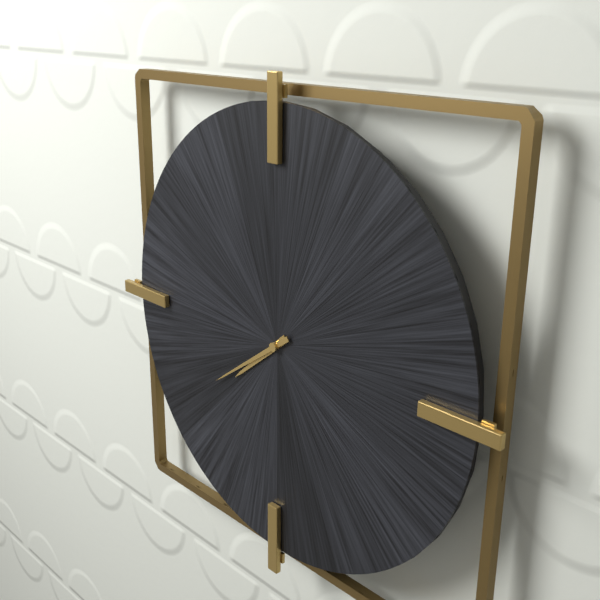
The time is {"hour": 7, "minute": 39}
